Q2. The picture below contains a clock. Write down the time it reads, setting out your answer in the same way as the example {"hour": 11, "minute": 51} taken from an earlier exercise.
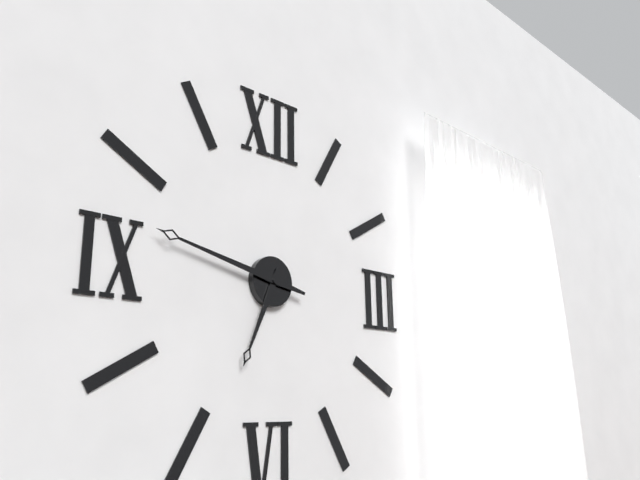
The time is {"hour": 6, "minute": 47}
